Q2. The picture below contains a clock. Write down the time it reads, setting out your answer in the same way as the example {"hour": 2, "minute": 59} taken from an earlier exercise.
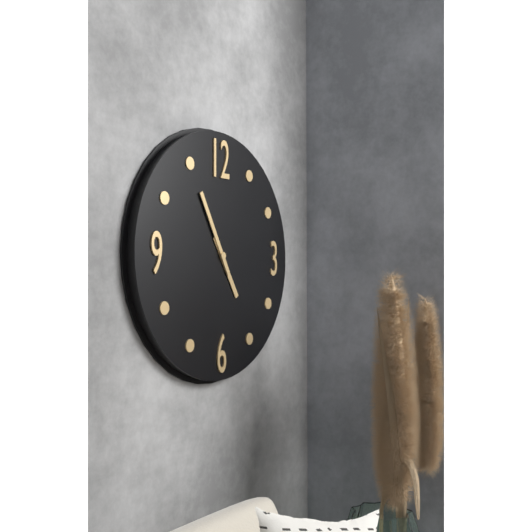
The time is {"hour": 4, "minute": 55}
